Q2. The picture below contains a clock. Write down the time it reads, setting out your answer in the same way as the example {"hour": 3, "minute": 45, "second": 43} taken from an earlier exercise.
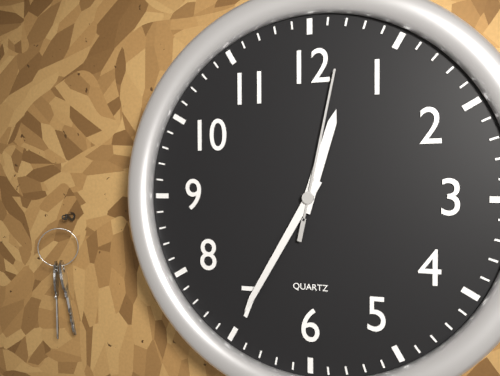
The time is {"hour": 12, "minute": 35, "second": 2}
